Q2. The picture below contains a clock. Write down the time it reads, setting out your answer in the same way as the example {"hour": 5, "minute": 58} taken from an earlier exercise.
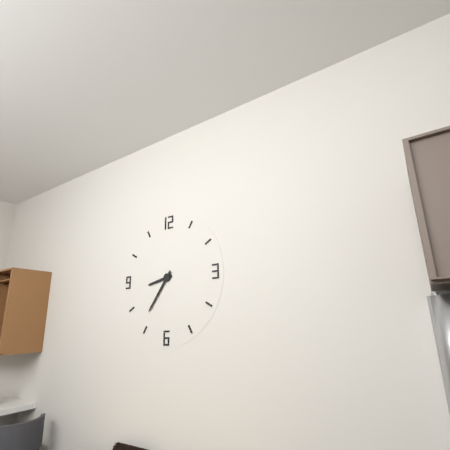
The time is {"hour": 8, "minute": 36}
